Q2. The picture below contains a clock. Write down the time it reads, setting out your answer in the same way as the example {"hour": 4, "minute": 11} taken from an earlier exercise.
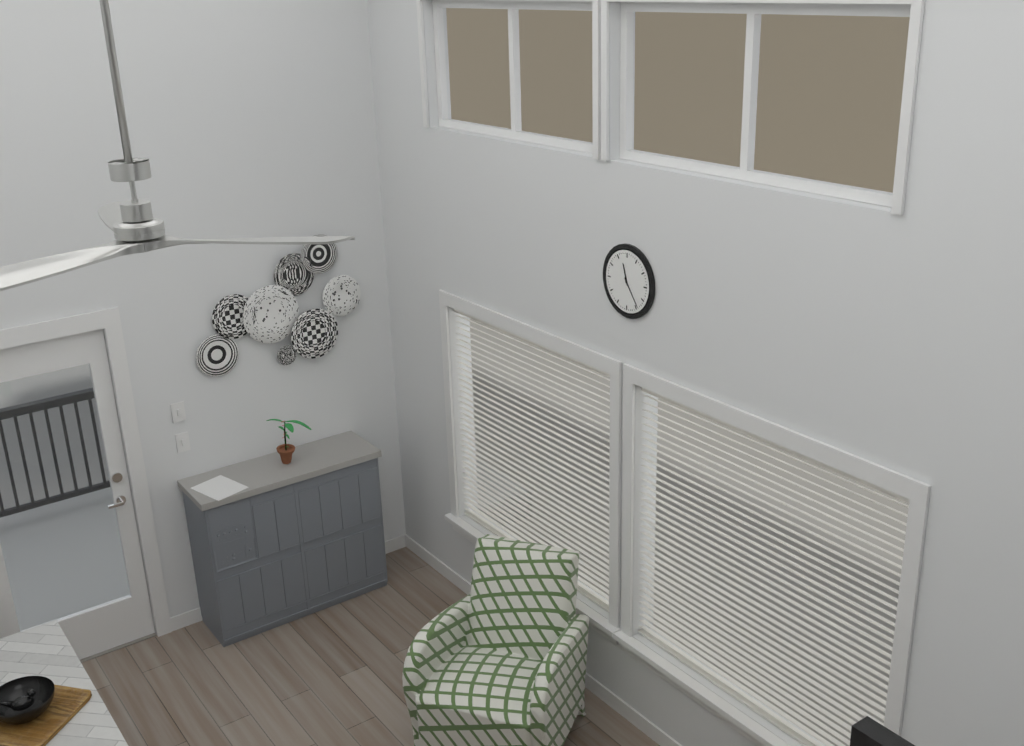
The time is {"hour": 11, "minute": 24}
